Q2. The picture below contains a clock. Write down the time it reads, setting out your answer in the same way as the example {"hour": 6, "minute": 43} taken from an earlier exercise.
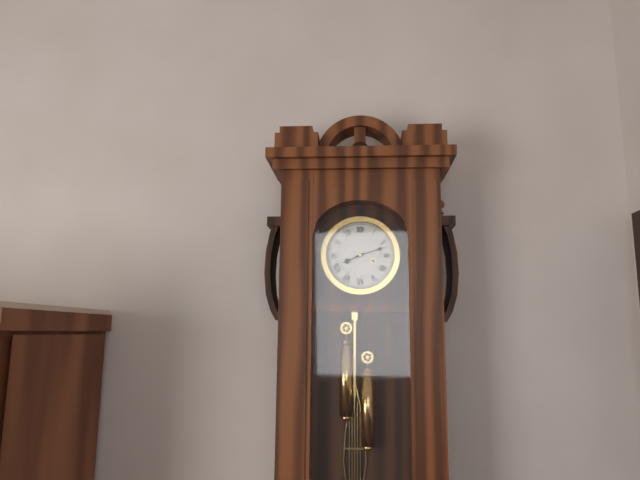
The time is {"hour": 8, "minute": 12}
